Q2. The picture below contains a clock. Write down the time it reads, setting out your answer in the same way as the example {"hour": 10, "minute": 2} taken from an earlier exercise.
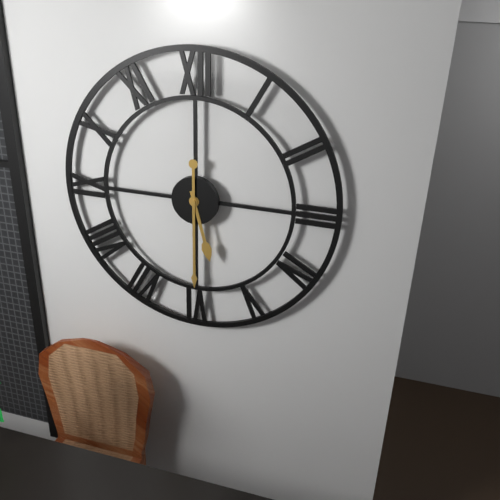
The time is {"hour": 5, "minute": 30}
